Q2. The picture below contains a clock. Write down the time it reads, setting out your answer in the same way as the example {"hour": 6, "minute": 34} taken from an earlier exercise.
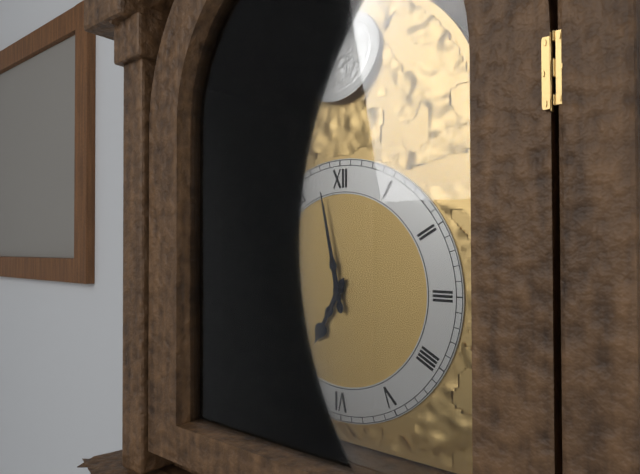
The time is {"hour": 6, "minute": 58}
